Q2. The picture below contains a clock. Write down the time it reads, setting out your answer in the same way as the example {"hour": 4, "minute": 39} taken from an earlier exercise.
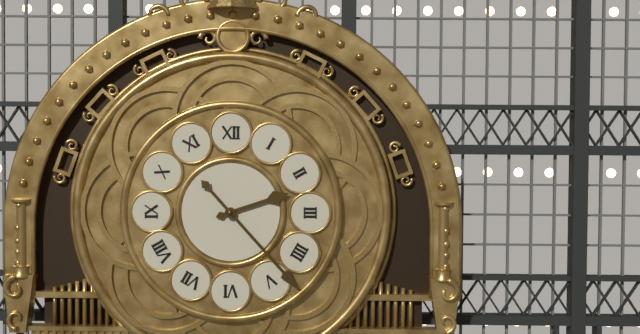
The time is {"hour": 2, "minute": 23}
